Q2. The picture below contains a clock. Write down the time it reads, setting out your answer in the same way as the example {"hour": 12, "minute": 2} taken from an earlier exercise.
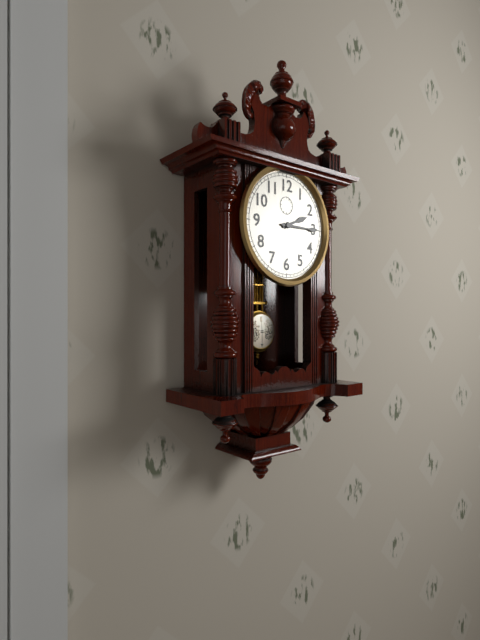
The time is {"hour": 2, "minute": 15}
